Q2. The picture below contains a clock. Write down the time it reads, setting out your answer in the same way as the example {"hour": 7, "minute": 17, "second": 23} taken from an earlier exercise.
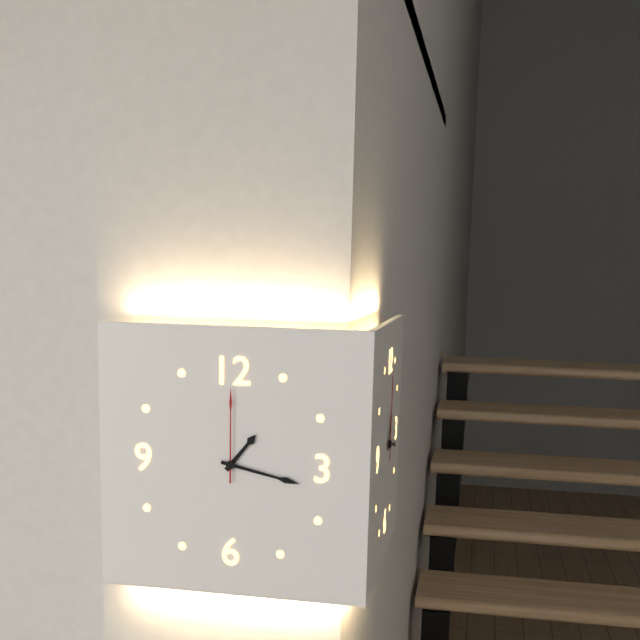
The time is {"hour": 1, "minute": 17, "second": 0}
